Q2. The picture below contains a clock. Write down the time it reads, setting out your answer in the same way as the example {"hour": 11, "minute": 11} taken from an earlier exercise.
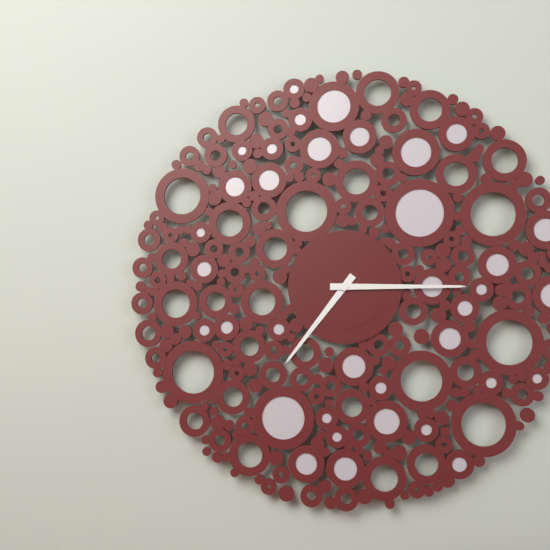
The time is {"hour": 7, "minute": 15}
